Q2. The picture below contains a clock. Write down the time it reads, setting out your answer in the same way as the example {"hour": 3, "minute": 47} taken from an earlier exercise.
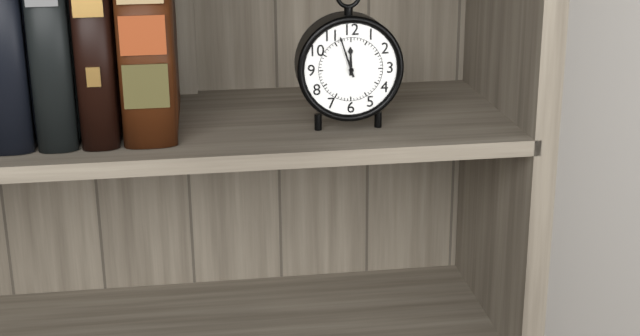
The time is {"hour": 11, "minute": 57}
